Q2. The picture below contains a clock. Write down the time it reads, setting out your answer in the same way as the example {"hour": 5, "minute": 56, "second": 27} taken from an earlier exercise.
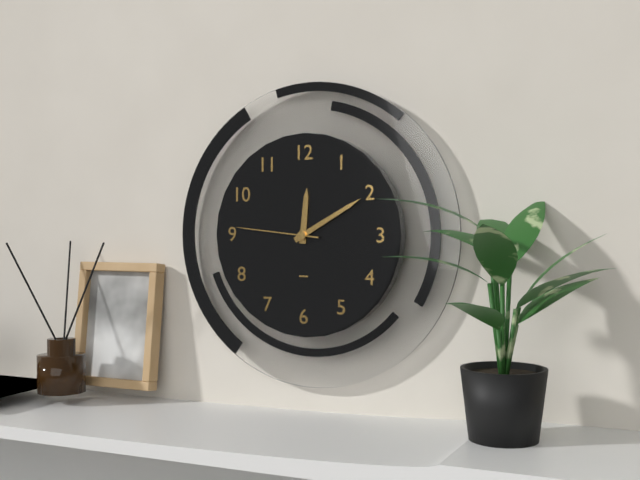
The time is {"hour": 12, "minute": 10, "second": 46}
